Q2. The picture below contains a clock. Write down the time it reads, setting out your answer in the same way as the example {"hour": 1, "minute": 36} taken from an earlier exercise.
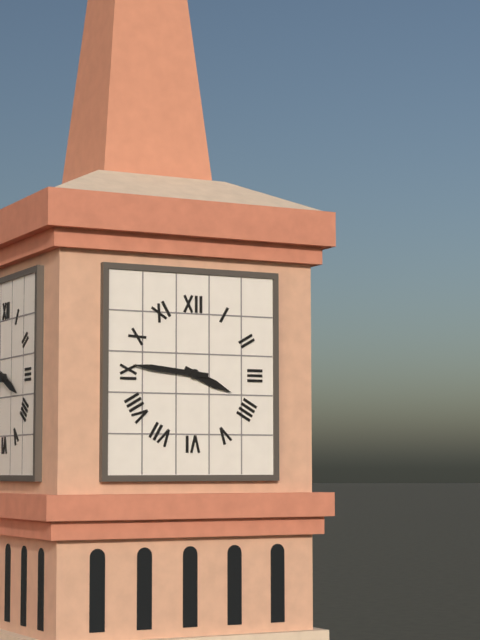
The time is {"hour": 3, "minute": 46}
